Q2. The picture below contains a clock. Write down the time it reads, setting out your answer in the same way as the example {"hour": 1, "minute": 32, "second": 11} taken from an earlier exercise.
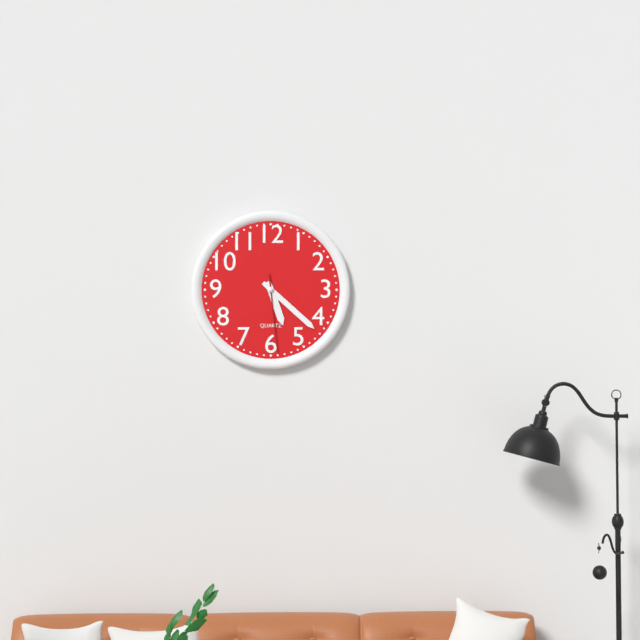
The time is {"hour": 5, "minute": 22, "second": 29}
